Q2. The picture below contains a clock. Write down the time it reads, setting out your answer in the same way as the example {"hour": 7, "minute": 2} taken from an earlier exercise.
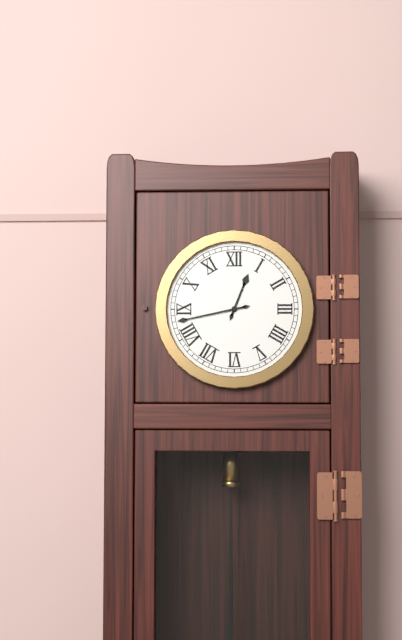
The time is {"hour": 12, "minute": 43}
